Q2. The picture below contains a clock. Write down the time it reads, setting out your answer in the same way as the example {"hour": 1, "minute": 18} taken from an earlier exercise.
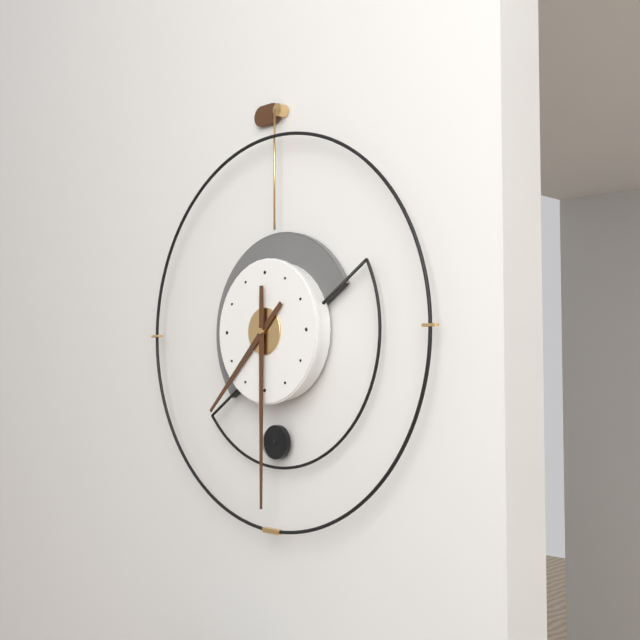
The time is {"hour": 7, "minute": 30}
